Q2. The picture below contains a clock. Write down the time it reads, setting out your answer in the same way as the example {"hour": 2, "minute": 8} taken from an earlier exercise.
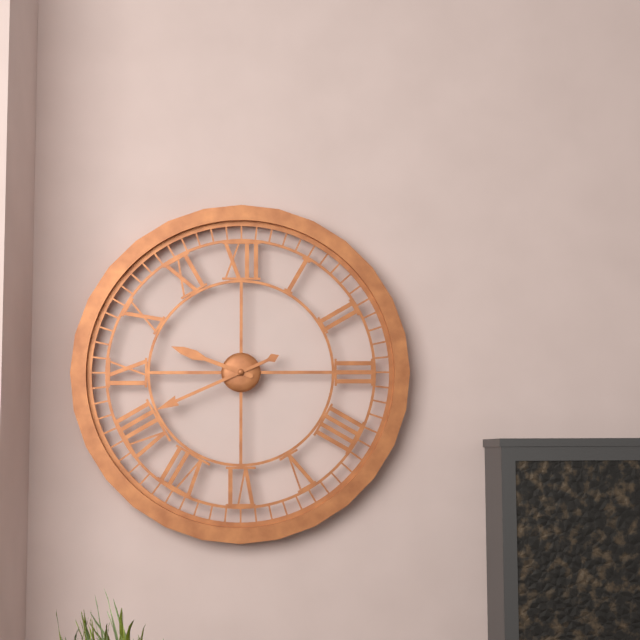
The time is {"hour": 9, "minute": 41}
